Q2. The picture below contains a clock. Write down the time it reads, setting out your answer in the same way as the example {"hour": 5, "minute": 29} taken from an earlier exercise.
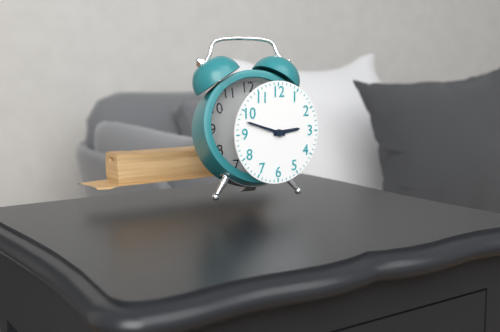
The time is {"hour": 2, "minute": 48}
